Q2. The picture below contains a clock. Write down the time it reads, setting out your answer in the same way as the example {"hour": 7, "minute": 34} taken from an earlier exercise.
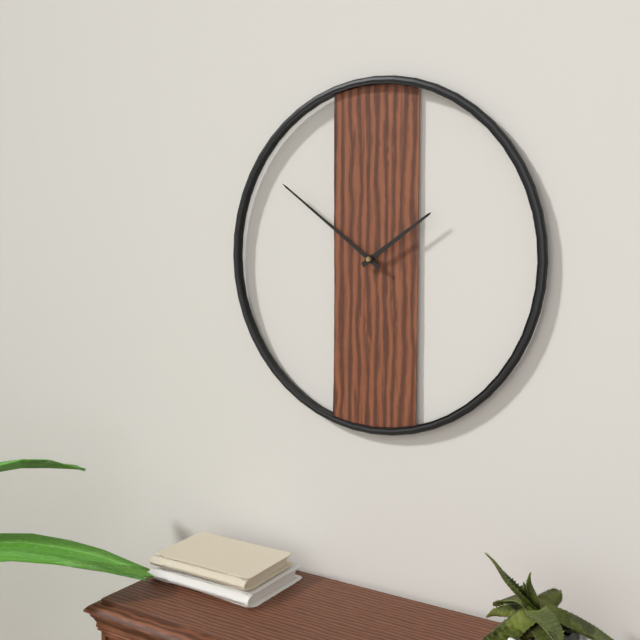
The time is {"hour": 1, "minute": 51}
